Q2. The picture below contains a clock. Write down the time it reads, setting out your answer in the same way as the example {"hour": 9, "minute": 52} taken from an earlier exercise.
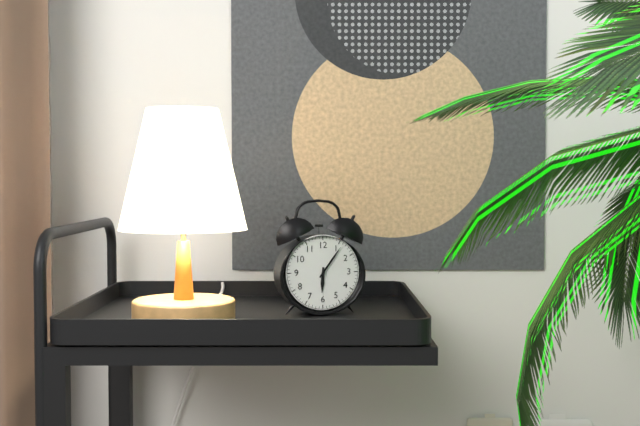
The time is {"hour": 6, "minute": 6}
